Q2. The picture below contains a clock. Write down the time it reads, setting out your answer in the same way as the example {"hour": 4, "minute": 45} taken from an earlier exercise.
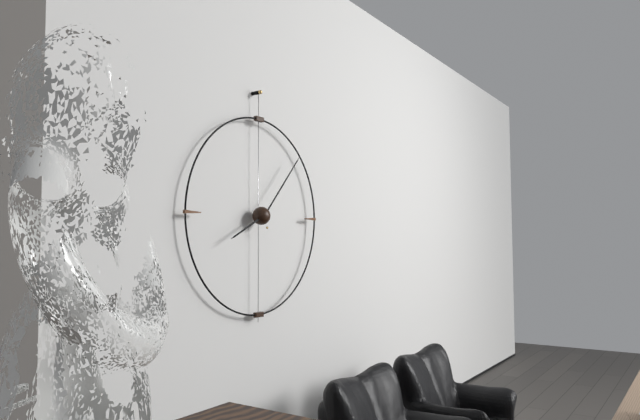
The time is {"hour": 8, "minute": 7}
